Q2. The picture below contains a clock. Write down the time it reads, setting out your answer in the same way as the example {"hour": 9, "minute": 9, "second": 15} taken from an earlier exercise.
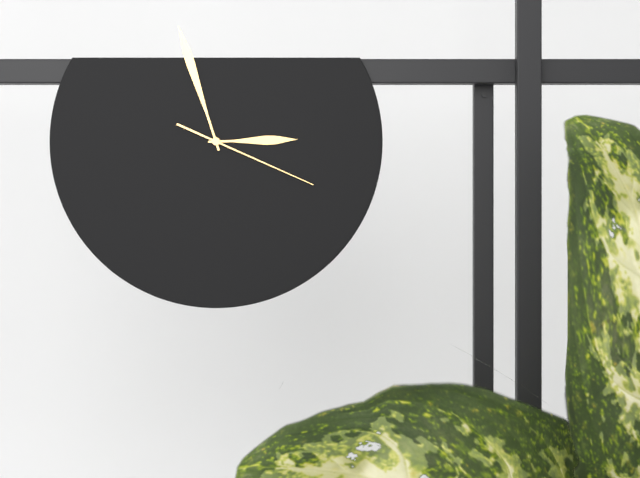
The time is {"hour": 2, "minute": 57, "second": 19}
